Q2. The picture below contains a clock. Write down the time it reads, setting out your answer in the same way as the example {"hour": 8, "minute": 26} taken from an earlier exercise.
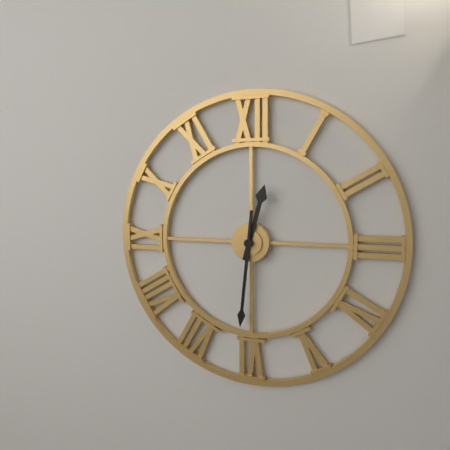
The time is {"hour": 12, "minute": 31}
